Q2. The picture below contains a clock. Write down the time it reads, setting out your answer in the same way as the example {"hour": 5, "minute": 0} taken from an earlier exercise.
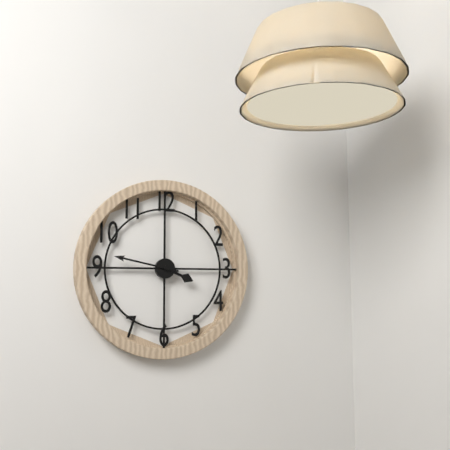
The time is {"hour": 3, "minute": 47}
